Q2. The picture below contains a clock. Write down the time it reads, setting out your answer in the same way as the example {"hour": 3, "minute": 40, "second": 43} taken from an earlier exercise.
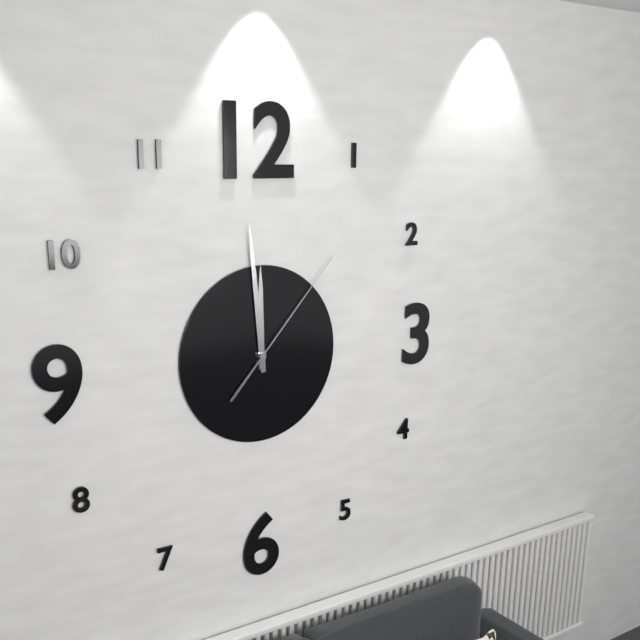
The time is {"hour": 11, "minute": 59, "second": 7}
